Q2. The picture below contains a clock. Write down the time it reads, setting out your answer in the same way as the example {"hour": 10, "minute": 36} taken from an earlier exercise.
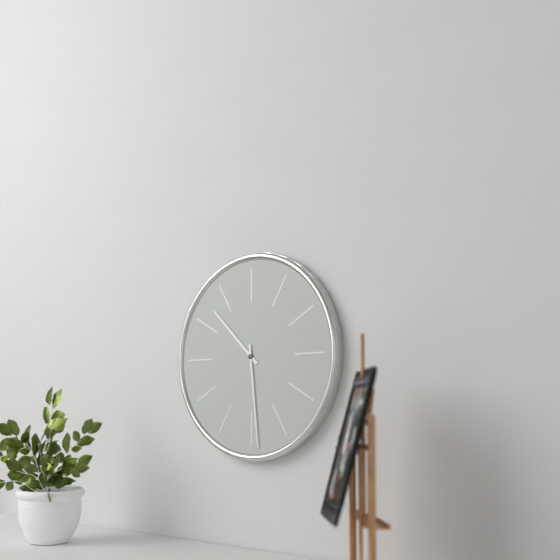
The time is {"hour": 10, "minute": 29}
